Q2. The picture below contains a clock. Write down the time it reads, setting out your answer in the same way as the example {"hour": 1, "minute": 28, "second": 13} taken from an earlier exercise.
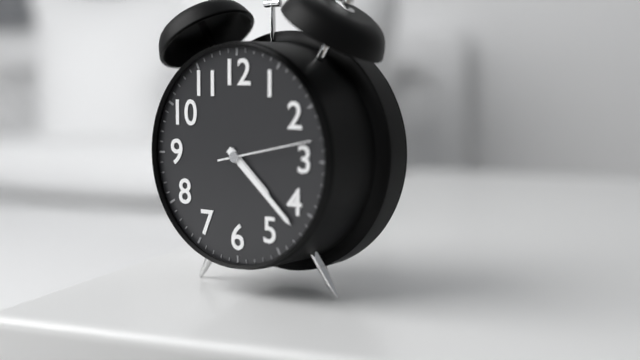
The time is {"hour": 4, "minute": 22, "second": 13}
